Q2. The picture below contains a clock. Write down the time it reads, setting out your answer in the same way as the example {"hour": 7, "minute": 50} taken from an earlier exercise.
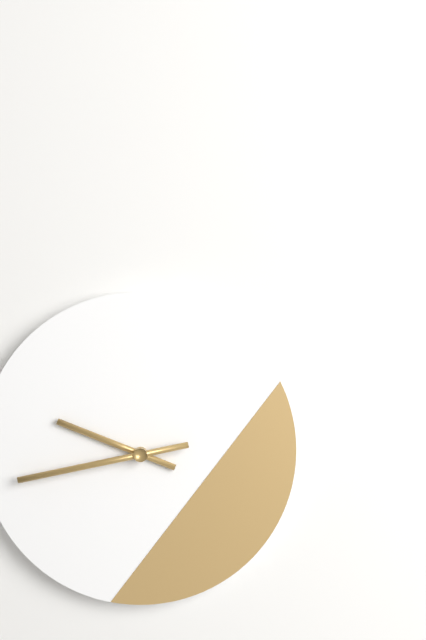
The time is {"hour": 9, "minute": 43}
